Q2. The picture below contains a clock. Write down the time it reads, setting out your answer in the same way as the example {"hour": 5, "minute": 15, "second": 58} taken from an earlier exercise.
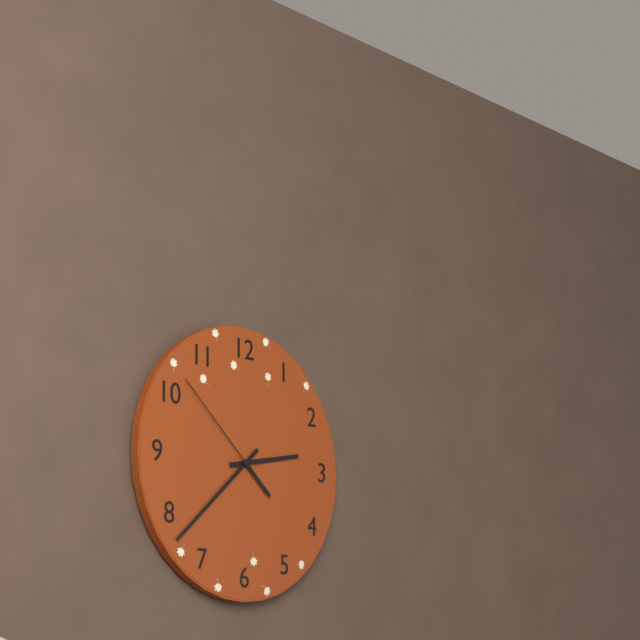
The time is {"hour": 2, "minute": 38, "second": 52}
